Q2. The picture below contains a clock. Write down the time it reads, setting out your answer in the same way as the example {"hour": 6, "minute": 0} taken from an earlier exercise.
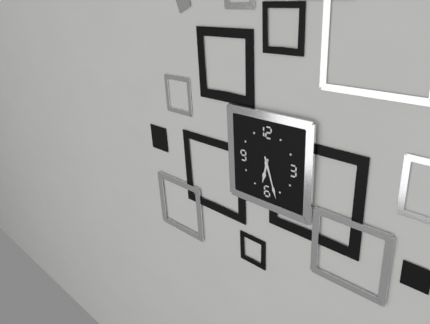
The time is {"hour": 6, "minute": 27}
